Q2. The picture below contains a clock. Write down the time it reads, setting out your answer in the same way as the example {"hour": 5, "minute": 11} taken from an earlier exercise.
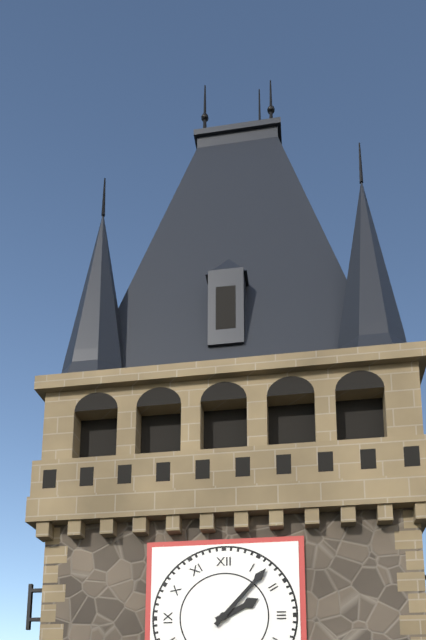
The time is {"hour": 2, "minute": 7}
